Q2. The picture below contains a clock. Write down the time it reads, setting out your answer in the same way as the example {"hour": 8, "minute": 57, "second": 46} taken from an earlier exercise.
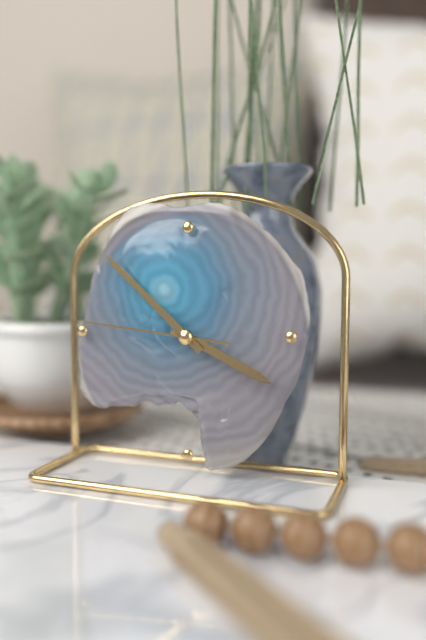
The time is {"hour": 3, "minute": 52, "second": 46}
